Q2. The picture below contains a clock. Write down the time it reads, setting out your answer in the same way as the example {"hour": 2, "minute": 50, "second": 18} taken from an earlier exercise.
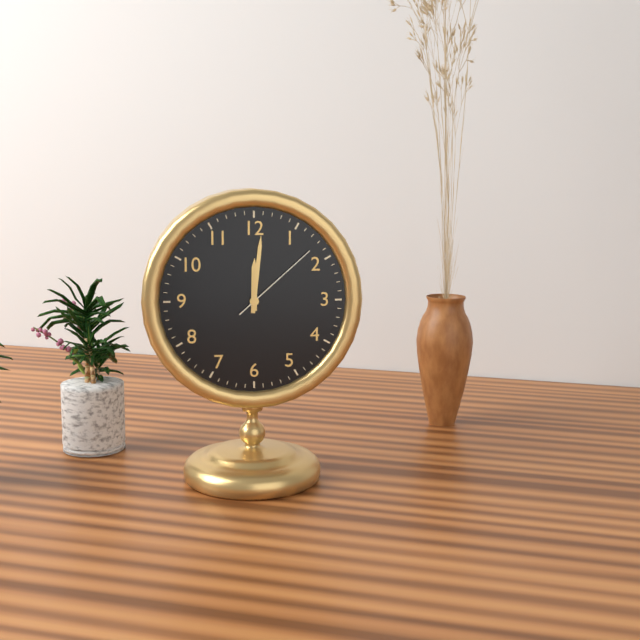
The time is {"hour": 12, "minute": 1, "second": 8}
